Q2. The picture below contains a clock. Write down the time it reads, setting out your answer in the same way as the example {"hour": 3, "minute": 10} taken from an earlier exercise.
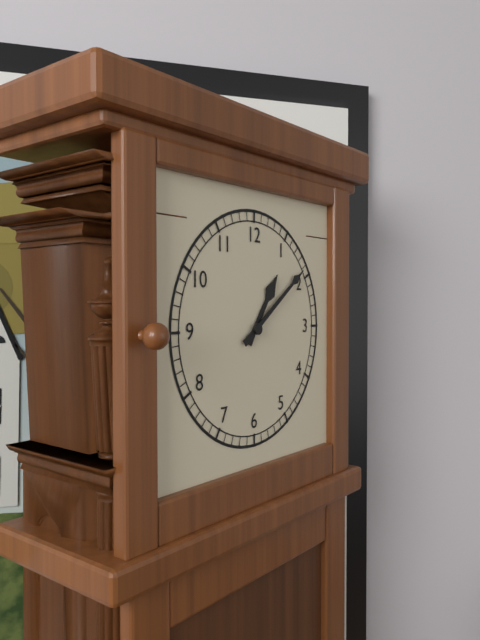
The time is {"hour": 1, "minute": 9}
